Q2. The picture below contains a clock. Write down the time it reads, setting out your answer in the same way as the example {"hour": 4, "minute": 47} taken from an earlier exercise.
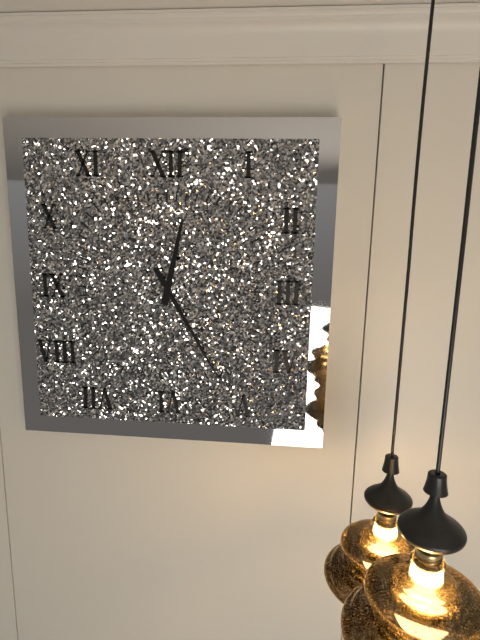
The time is {"hour": 12, "minute": 25}
